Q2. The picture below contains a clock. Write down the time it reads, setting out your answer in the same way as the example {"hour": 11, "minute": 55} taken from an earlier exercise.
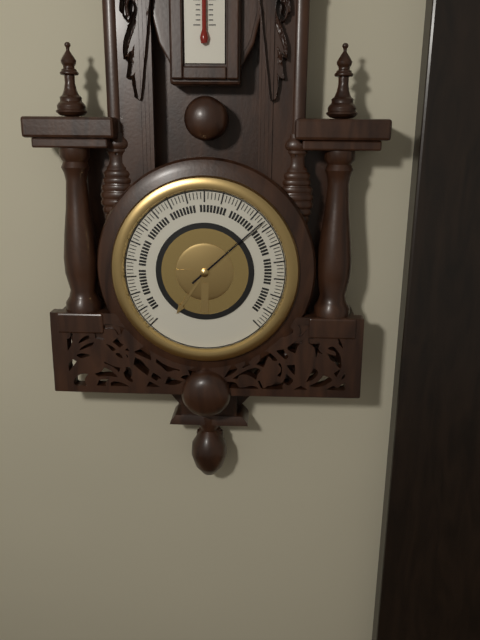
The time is {"hour": 7, "minute": 8}
